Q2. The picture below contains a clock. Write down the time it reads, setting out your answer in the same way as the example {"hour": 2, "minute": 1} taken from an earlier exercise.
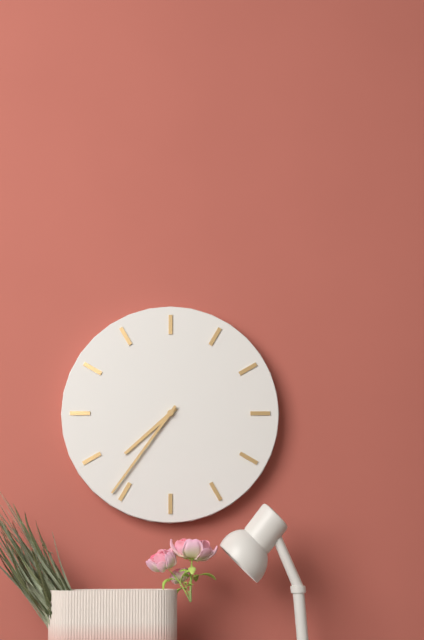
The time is {"hour": 7, "minute": 36}
